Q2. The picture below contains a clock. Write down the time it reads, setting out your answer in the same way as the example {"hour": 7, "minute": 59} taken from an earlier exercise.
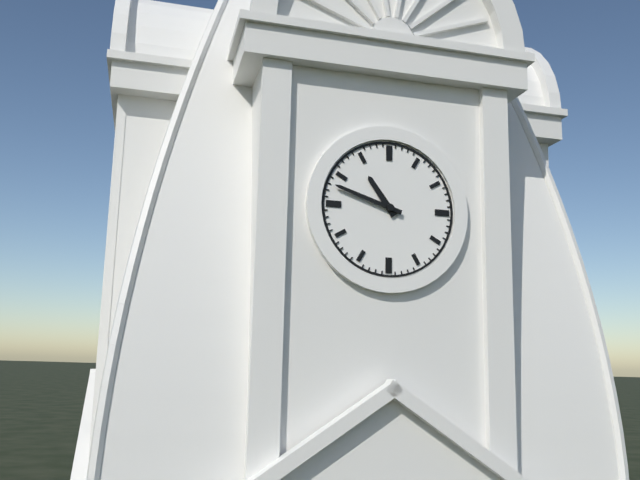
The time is {"hour": 10, "minute": 48}
